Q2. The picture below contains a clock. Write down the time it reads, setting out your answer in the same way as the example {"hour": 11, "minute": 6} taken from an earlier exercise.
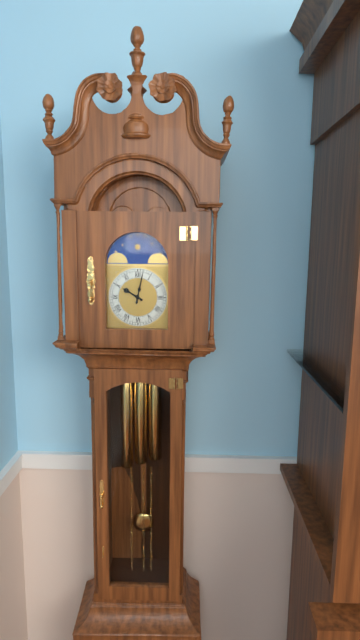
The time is {"hour": 10, "minute": 2}
